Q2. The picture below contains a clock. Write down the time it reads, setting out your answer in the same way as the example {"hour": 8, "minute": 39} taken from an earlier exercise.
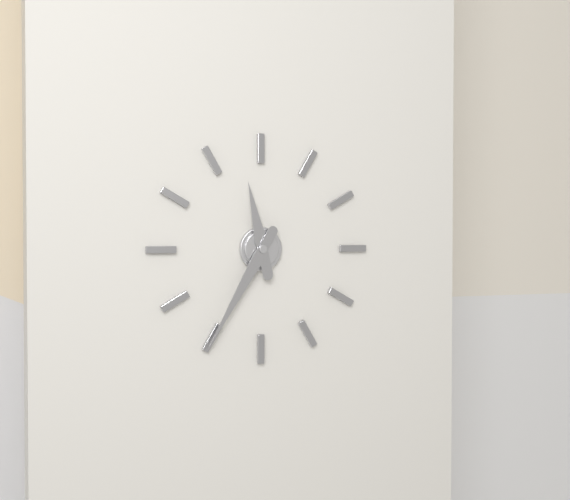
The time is {"hour": 11, "minute": 35}
